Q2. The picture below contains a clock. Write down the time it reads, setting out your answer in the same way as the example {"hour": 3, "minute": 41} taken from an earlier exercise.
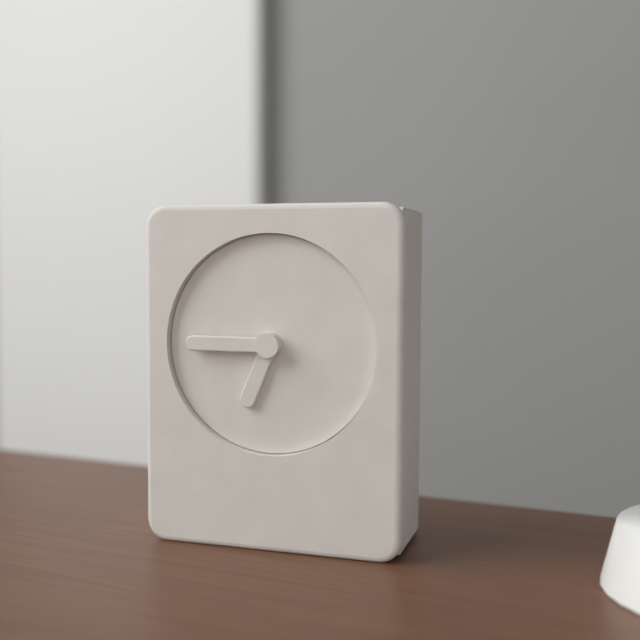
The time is {"hour": 6, "minute": 45}
